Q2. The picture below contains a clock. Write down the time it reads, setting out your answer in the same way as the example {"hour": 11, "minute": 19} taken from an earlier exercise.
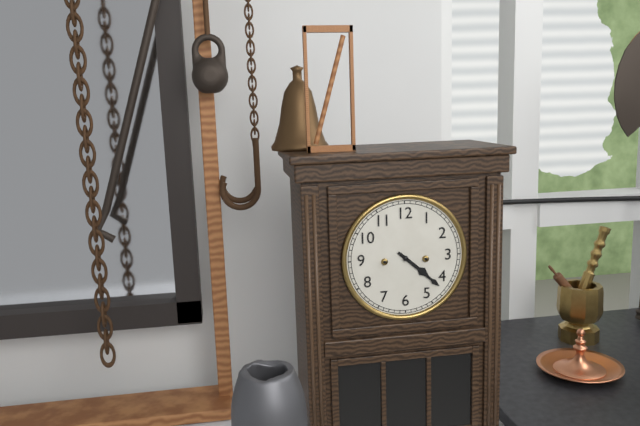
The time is {"hour": 4, "minute": 22}
